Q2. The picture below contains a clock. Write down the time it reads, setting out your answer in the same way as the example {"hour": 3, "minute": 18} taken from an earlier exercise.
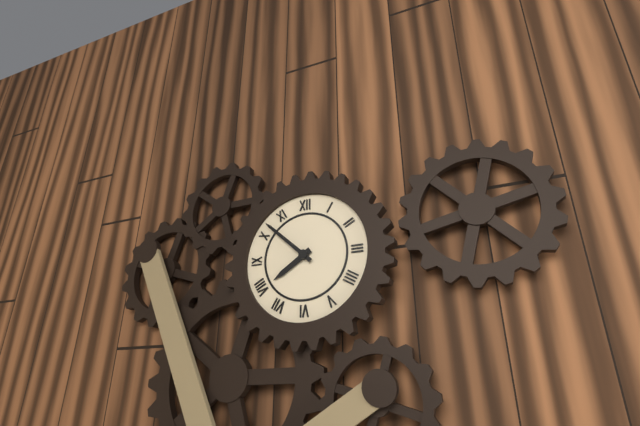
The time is {"hour": 7, "minute": 52}
